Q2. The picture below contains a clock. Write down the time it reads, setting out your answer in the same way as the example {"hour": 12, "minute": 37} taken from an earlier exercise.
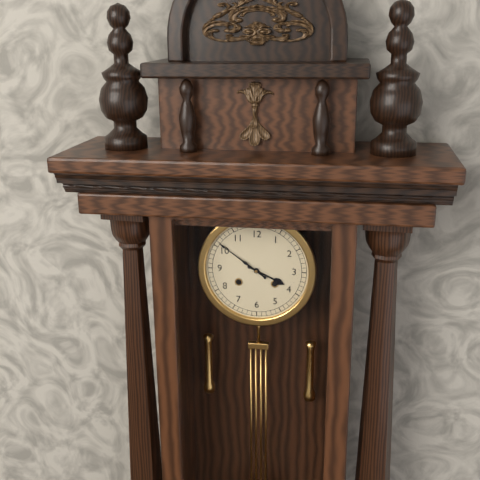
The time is {"hour": 3, "minute": 51}
